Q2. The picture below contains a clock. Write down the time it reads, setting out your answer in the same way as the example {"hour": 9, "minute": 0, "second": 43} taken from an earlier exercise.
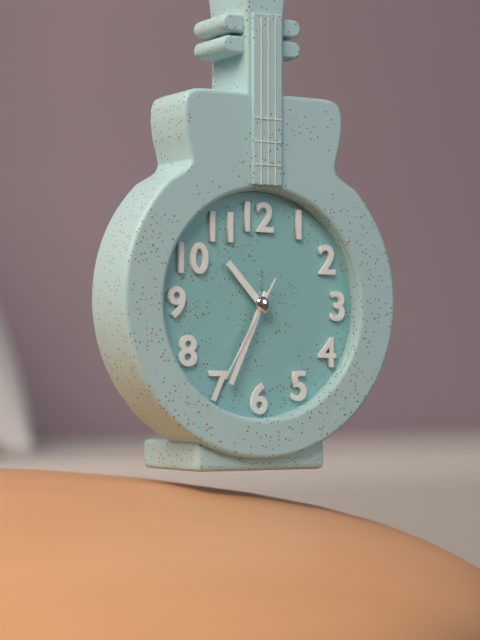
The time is {"hour": 10, "minute": 34, "second": 35}
